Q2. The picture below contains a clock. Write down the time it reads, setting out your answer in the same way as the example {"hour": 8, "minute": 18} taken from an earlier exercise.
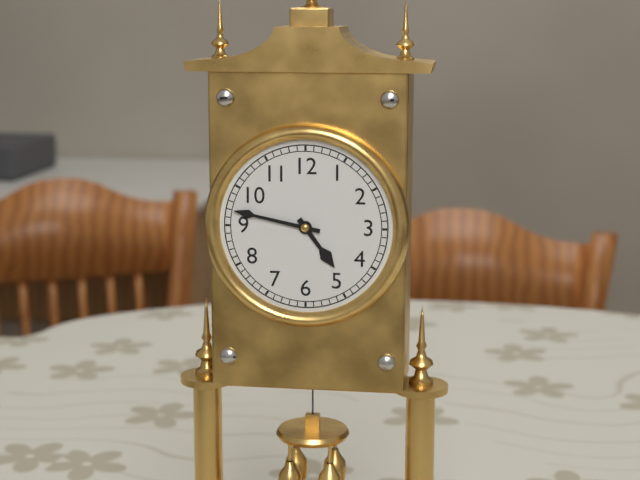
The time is {"hour": 4, "minute": 47}
